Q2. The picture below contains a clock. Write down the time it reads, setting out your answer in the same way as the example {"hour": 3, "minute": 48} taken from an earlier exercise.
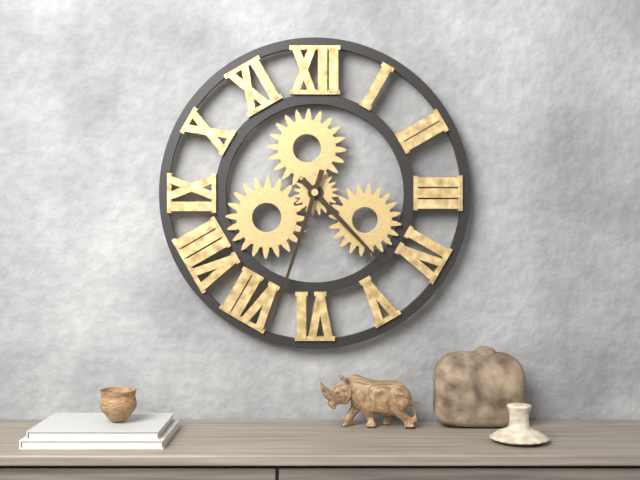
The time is {"hour": 4, "minute": 33}
